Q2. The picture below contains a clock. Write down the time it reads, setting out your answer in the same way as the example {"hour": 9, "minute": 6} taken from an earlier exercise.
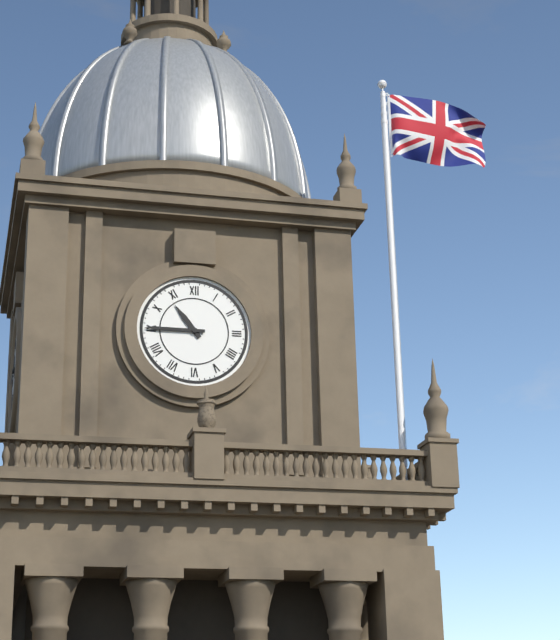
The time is {"hour": 10, "minute": 45}
